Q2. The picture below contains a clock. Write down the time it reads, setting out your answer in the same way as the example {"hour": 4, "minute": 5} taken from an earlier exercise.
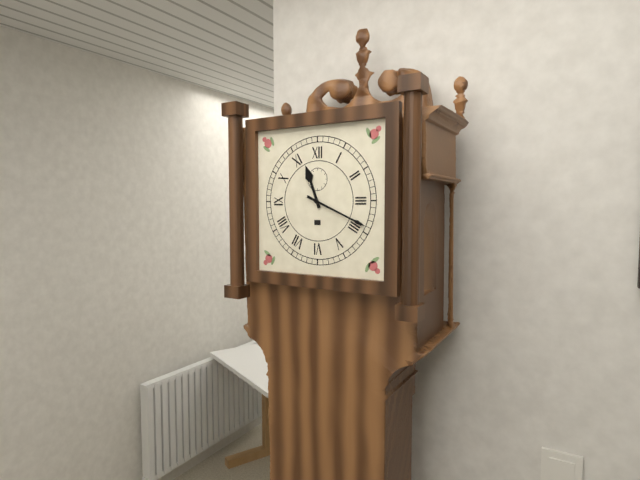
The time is {"hour": 11, "minute": 19}
